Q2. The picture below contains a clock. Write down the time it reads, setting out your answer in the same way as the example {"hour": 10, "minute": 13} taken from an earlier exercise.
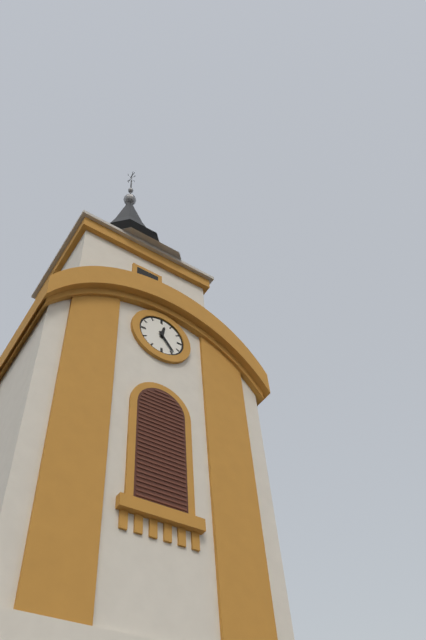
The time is {"hour": 12, "minute": 24}
